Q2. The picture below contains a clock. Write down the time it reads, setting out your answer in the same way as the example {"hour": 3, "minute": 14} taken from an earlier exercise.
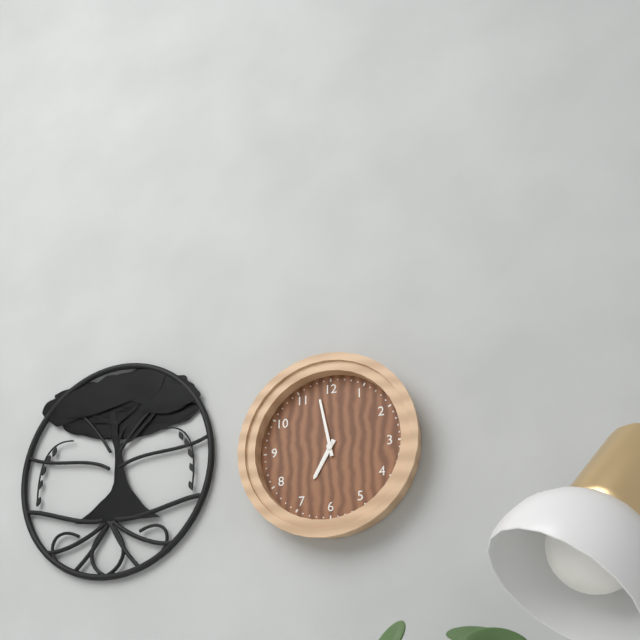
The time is {"hour": 6, "minute": 58}
